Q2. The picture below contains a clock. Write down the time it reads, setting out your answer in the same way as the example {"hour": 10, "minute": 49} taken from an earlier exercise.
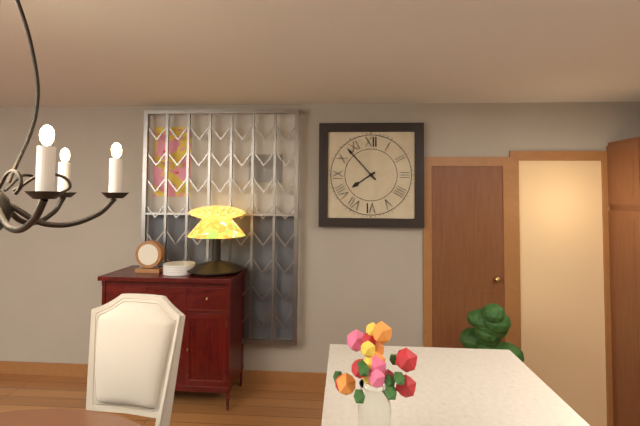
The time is {"hour": 7, "minute": 53}
